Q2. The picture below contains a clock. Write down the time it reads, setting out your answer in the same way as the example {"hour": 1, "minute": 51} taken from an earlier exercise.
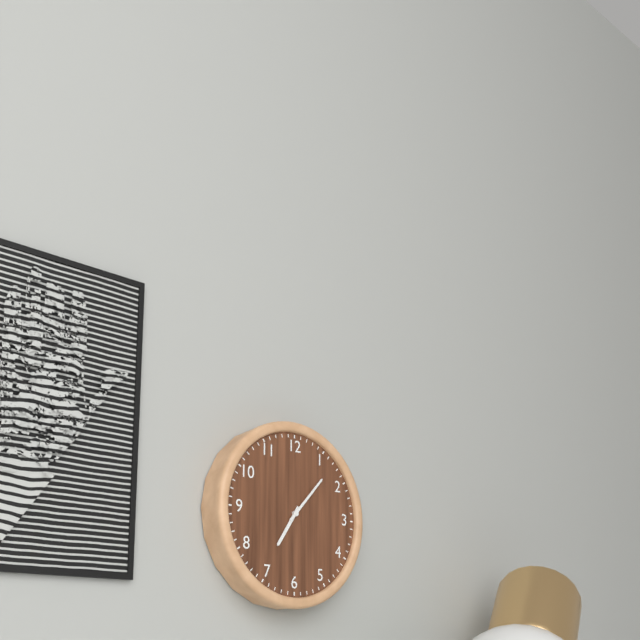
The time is {"hour": 7, "minute": 7}
